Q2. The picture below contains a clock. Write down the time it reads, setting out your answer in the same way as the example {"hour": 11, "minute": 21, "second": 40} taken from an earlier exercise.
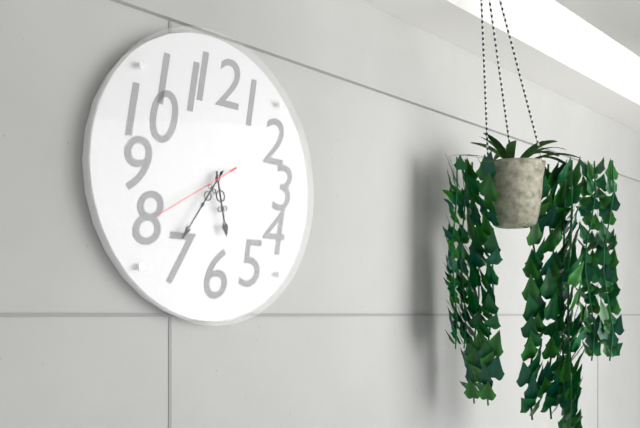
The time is {"hour": 5, "minute": 36, "second": 40}
